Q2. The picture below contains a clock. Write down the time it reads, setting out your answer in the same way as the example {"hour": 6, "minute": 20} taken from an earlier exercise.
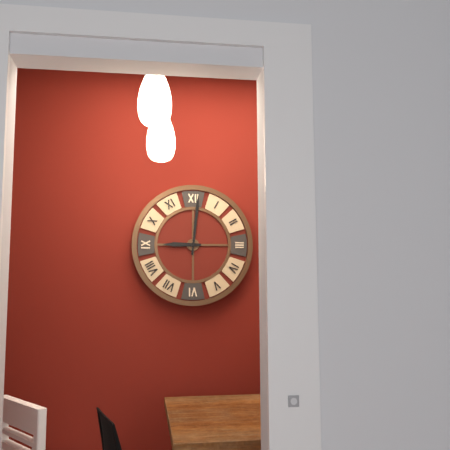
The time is {"hour": 9, "minute": 1}
